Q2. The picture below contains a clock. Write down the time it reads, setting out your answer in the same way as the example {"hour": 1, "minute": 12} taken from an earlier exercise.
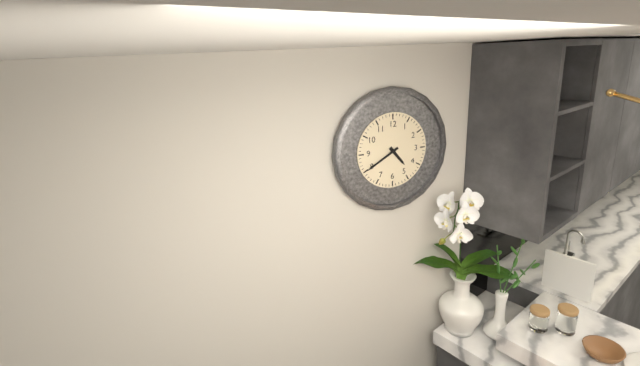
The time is {"hour": 4, "minute": 40}
